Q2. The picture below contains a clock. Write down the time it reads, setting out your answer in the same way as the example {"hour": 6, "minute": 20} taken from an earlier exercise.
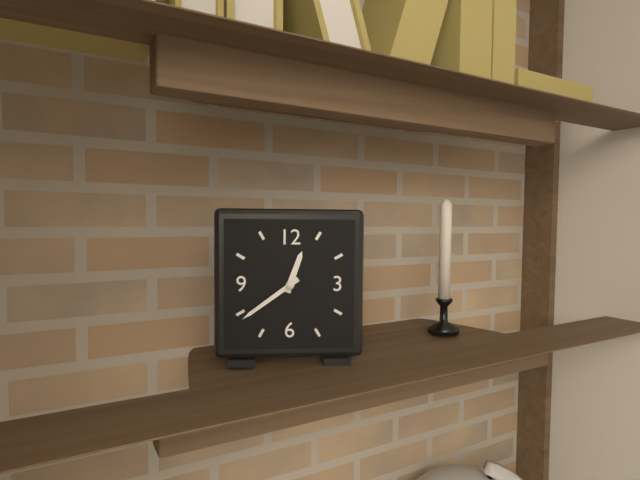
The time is {"hour": 12, "minute": 39}
